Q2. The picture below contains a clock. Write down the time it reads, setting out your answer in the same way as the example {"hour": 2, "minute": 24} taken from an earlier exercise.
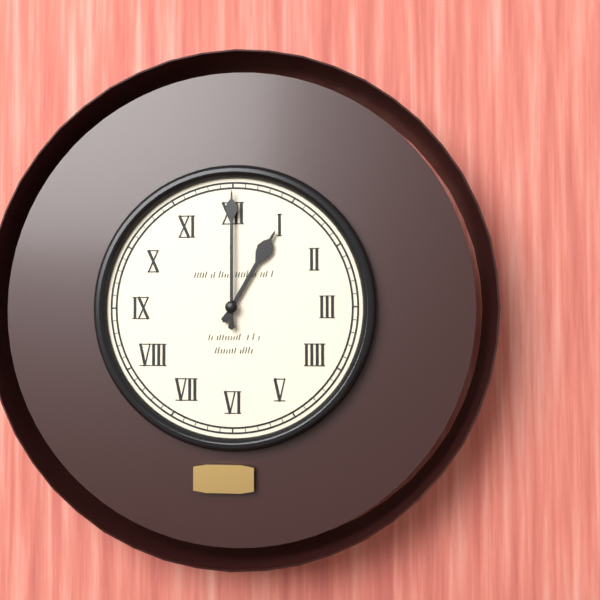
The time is {"hour": 1, "minute": 0}
